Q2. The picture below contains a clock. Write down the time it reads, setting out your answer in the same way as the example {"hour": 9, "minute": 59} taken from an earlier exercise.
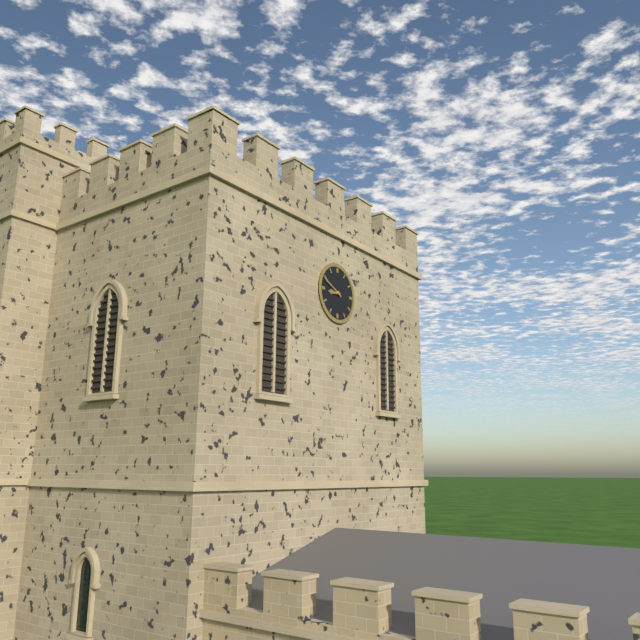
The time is {"hour": 8, "minute": 49}
